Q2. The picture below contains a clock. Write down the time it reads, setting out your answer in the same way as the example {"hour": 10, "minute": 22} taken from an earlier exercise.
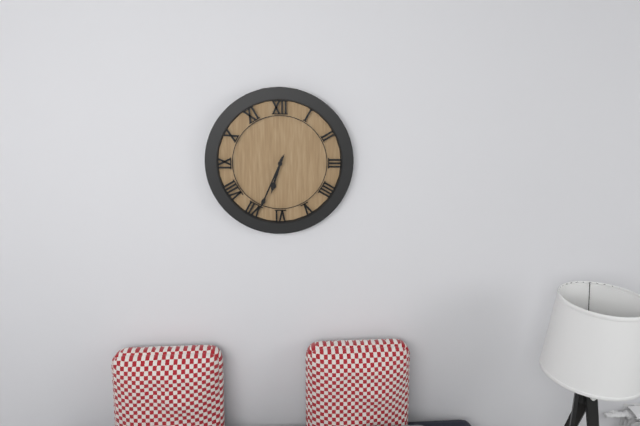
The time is {"hour": 6, "minute": 34}
